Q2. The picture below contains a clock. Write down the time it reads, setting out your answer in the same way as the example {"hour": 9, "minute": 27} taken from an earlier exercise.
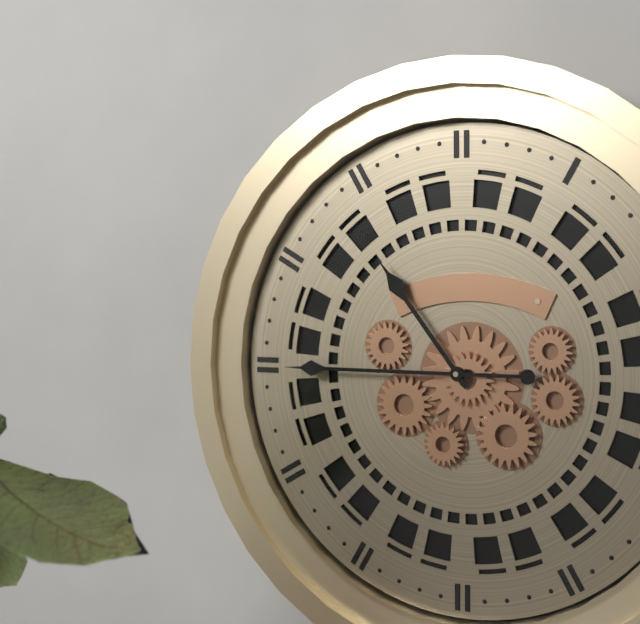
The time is {"hour": 10, "minute": 45}
